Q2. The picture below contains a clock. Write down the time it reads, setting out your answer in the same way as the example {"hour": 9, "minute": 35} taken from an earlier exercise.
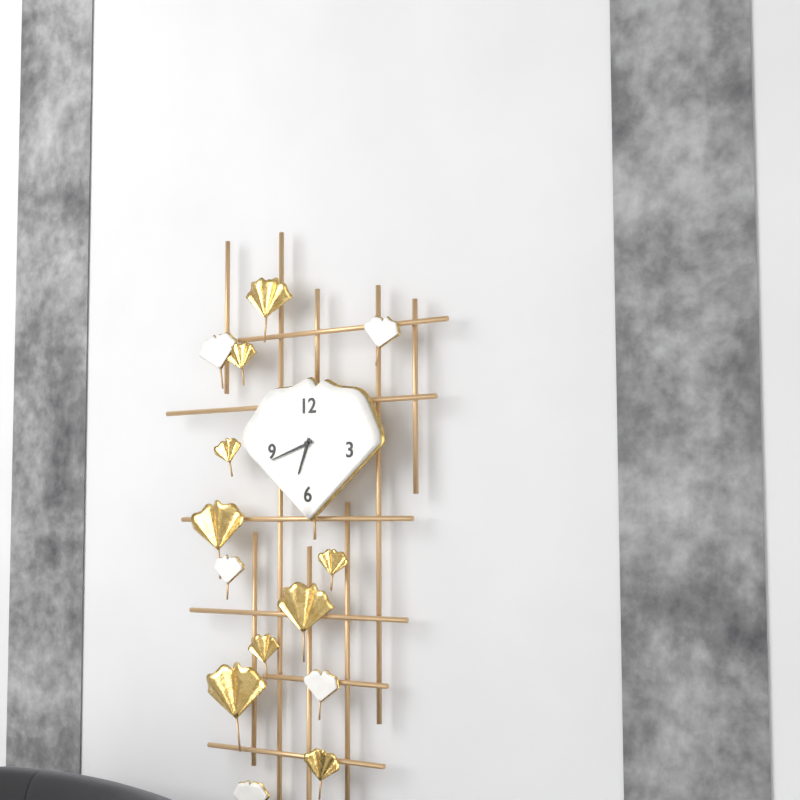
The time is {"hour": 6, "minute": 42}
